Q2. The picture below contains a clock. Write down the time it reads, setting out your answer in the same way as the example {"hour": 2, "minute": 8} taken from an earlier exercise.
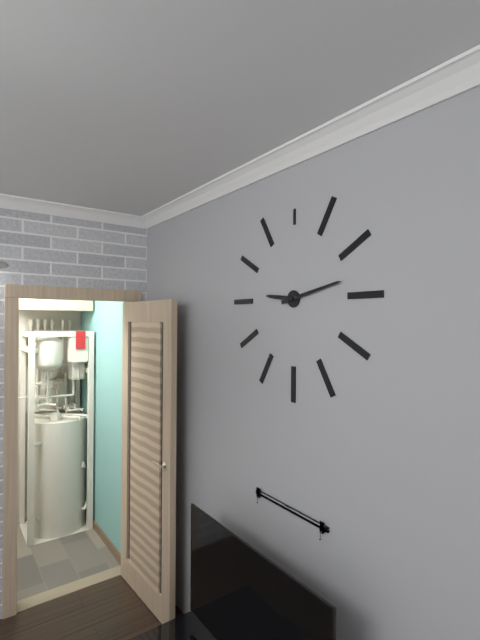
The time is {"hour": 9, "minute": 13}
